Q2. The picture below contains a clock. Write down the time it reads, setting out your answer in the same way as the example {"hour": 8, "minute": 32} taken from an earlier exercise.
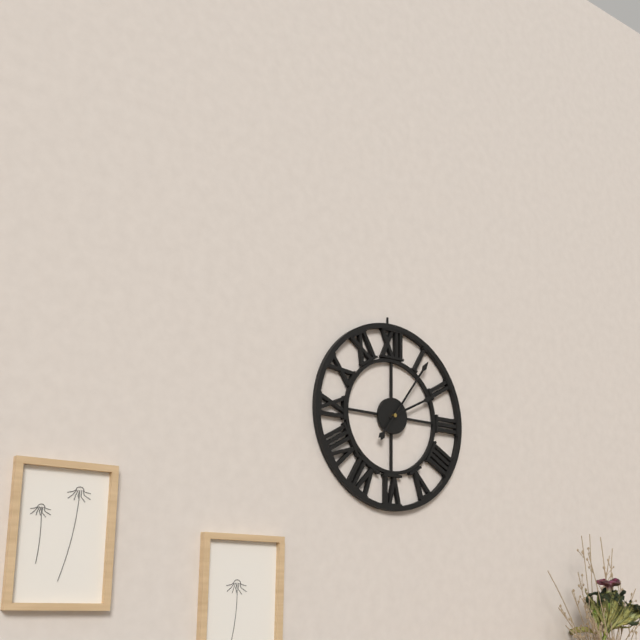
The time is {"hour": 2, "minute": 6}
